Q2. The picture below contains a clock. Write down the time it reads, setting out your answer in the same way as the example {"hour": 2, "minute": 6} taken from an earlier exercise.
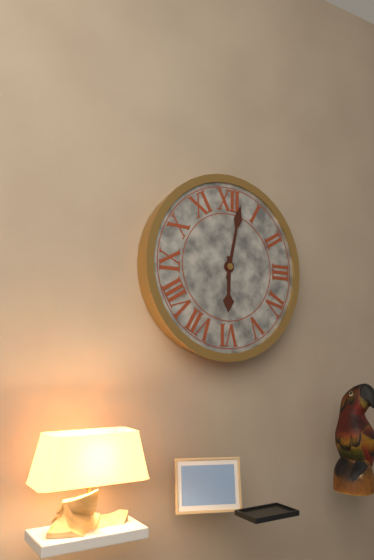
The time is {"hour": 6, "minute": 2}
